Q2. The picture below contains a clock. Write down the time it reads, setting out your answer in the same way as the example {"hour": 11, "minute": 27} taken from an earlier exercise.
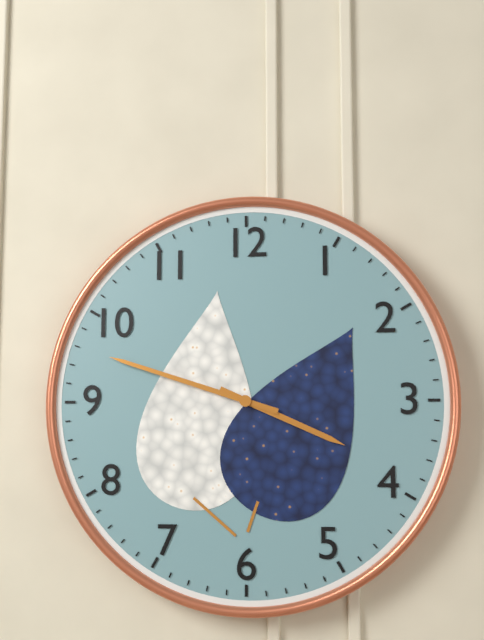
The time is {"hour": 3, "minute": 48}
